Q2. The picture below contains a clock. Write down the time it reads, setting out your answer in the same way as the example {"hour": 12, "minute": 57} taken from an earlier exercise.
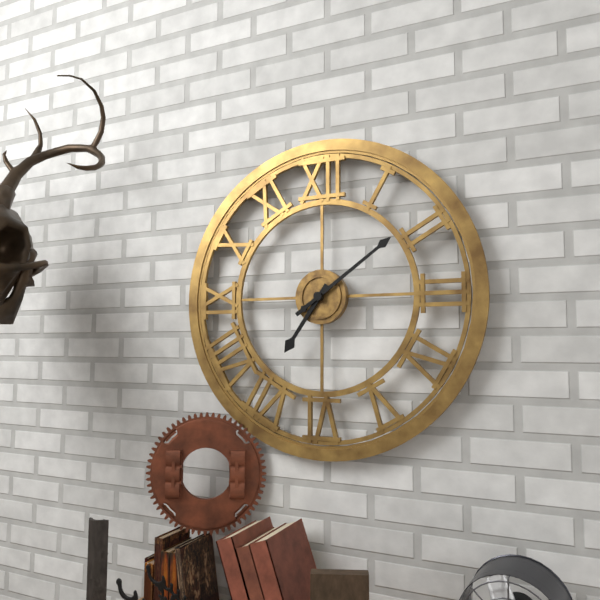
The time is {"hour": 7, "minute": 9}
